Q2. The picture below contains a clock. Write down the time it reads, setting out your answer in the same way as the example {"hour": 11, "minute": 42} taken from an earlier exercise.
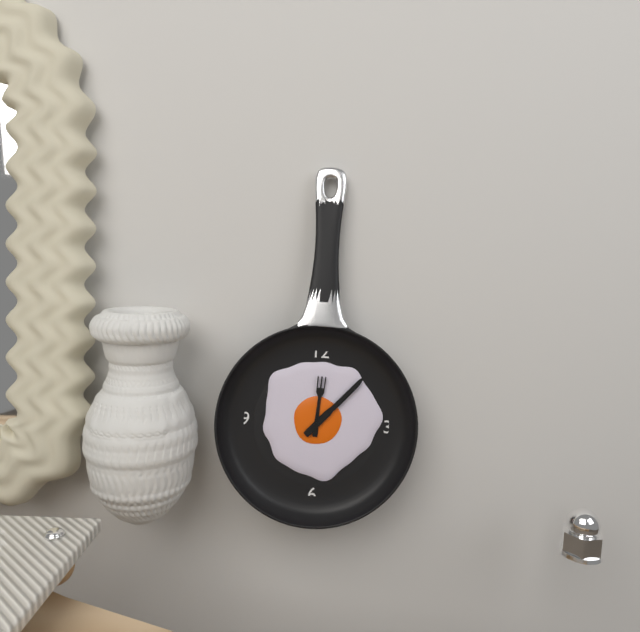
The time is {"hour": 12, "minute": 7}
